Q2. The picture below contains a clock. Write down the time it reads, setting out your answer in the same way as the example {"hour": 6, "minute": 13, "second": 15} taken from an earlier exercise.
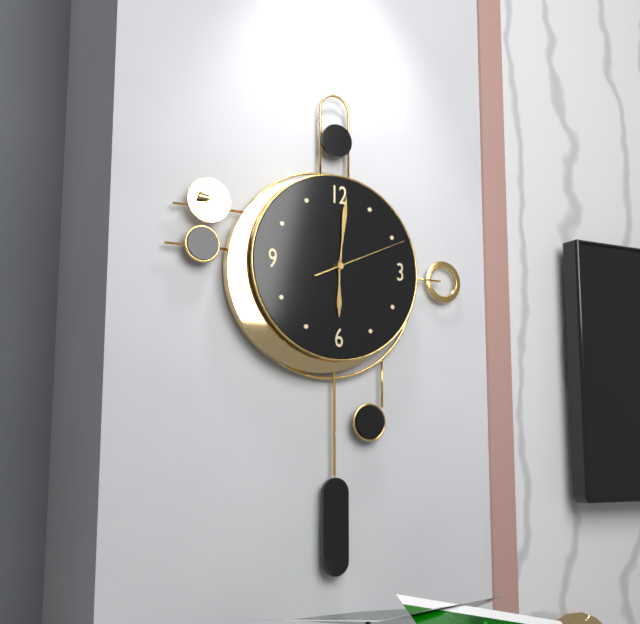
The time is {"hour": 6, "minute": 1, "second": 11}
